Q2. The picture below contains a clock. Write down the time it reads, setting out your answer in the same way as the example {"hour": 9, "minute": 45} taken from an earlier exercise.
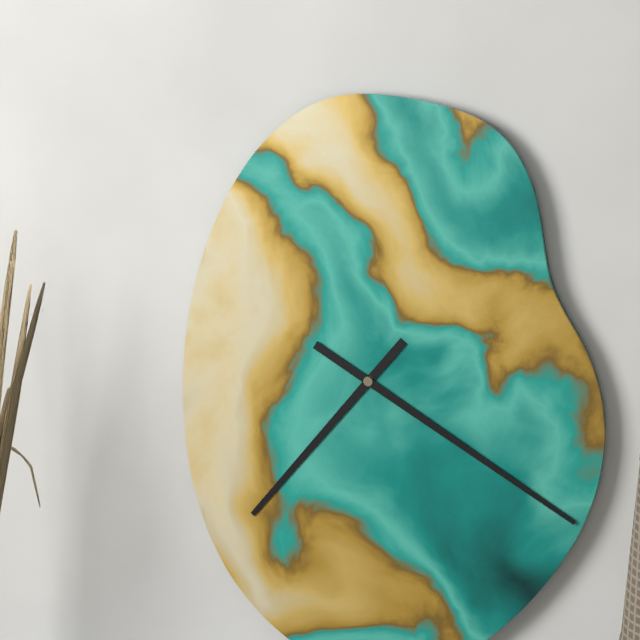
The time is {"hour": 7, "minute": 20}
